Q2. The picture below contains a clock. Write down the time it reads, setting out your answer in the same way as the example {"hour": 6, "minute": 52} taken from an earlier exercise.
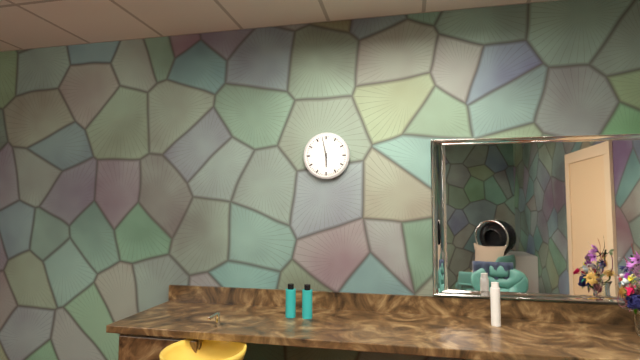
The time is {"hour": 5, "minute": 58}
